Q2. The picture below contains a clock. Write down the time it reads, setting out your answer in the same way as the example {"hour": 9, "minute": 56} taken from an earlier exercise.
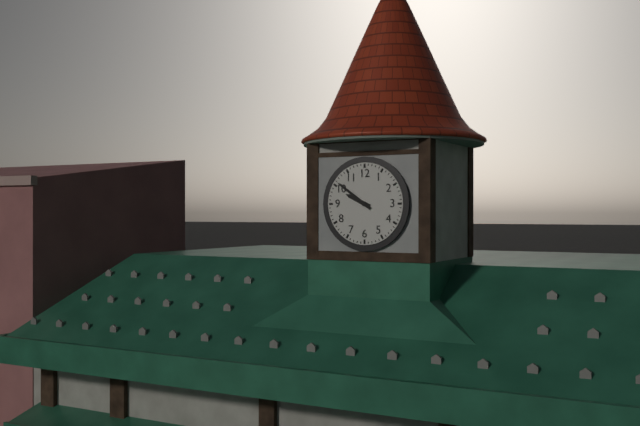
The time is {"hour": 9, "minute": 51}
